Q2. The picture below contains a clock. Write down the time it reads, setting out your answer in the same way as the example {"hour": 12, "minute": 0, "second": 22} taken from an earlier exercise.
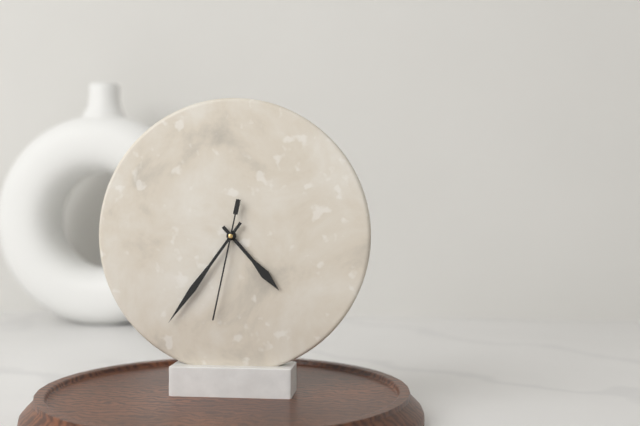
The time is {"hour": 4, "minute": 36, "second": 32}
